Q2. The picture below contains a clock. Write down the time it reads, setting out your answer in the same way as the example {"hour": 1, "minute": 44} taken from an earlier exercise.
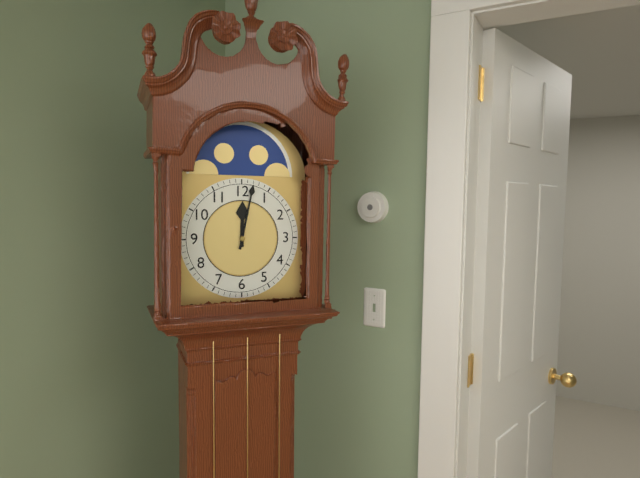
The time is {"hour": 12, "minute": 2}
